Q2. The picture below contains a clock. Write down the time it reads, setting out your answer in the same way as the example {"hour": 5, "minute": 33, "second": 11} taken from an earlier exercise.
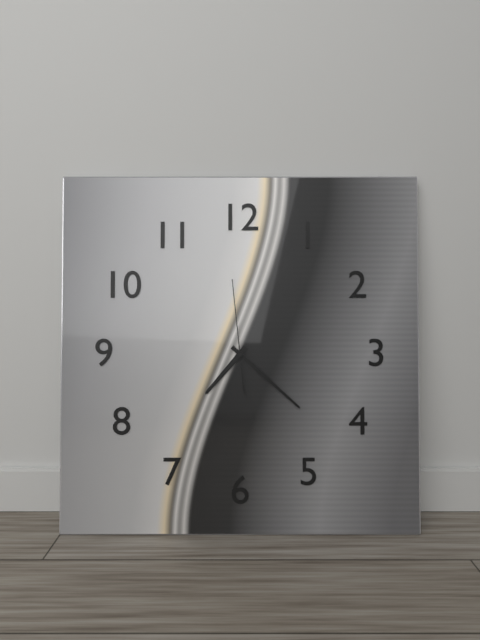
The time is {"hour": 7, "minute": 22, "second": 59}
